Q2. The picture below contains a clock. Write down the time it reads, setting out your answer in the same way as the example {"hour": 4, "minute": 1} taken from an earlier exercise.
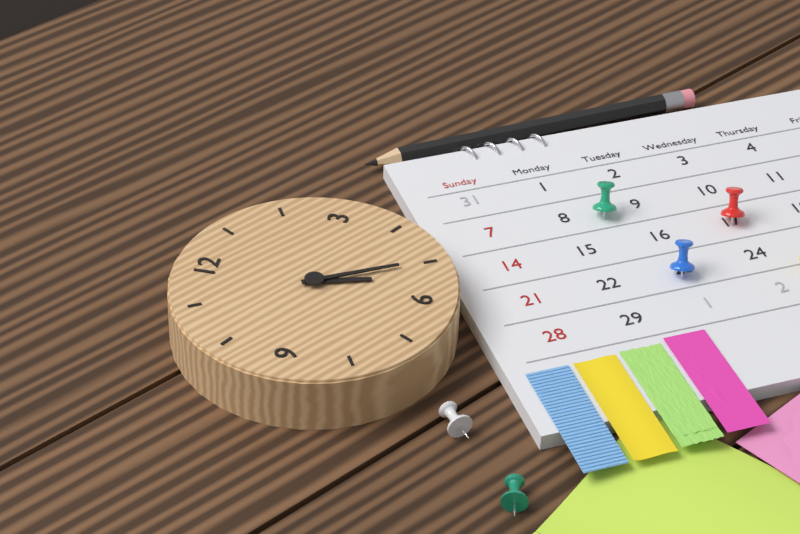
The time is {"hour": 5, "minute": 25}
